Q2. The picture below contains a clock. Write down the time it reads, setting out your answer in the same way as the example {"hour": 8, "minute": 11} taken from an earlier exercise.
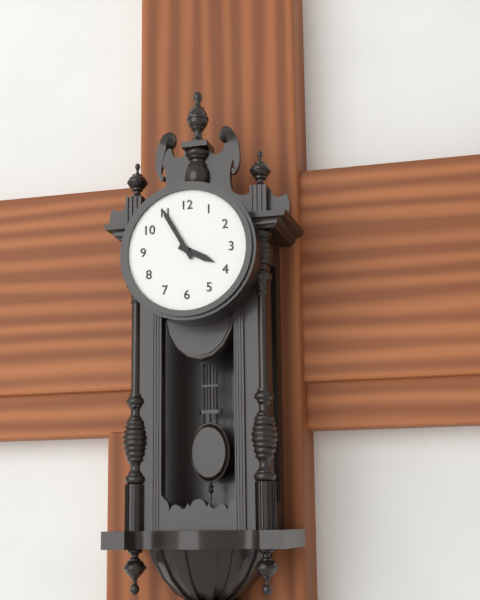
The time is {"hour": 3, "minute": 55}
